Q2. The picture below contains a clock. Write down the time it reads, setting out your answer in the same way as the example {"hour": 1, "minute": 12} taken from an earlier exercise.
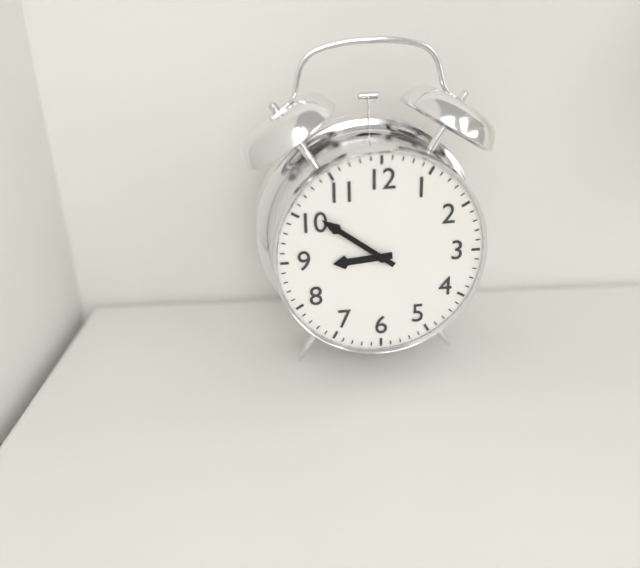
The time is {"hour": 8, "minute": 51}
